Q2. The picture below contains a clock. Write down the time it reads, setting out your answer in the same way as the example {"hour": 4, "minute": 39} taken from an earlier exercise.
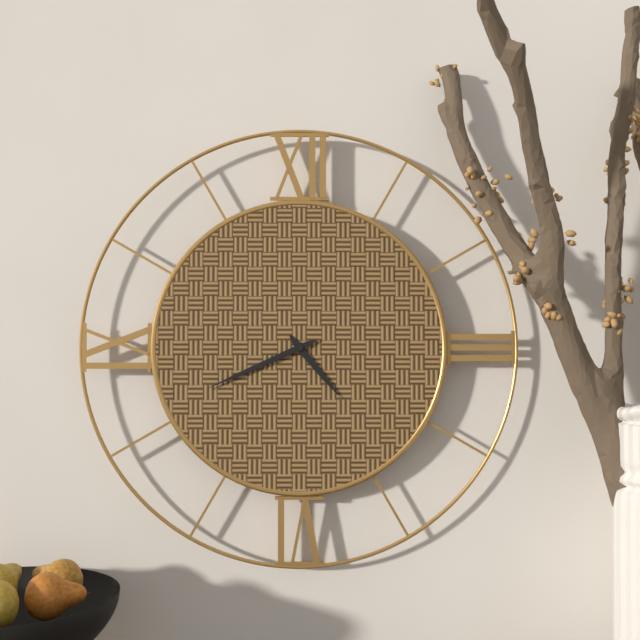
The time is {"hour": 4, "minute": 41}
